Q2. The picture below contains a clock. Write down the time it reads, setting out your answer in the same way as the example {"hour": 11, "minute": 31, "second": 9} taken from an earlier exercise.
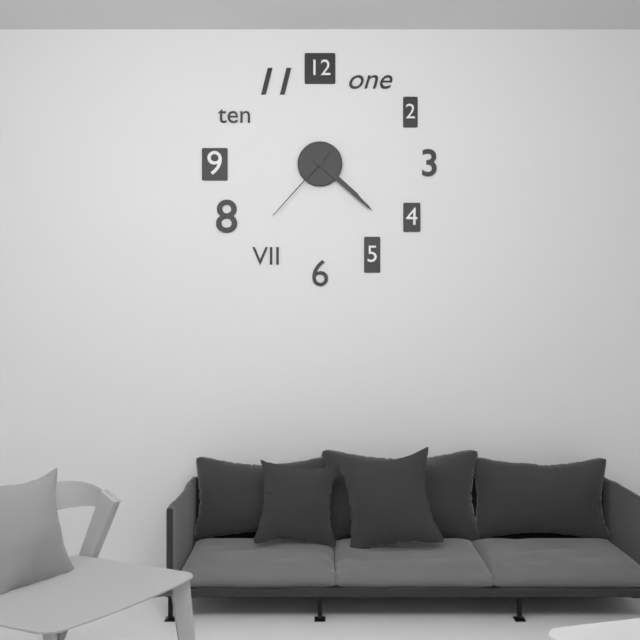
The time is {"hour": 4, "minute": 22, "second": 37}
